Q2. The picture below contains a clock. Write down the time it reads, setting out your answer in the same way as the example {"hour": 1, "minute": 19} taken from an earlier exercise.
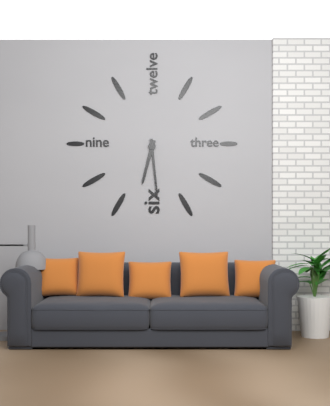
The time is {"hour": 6, "minute": 29}
